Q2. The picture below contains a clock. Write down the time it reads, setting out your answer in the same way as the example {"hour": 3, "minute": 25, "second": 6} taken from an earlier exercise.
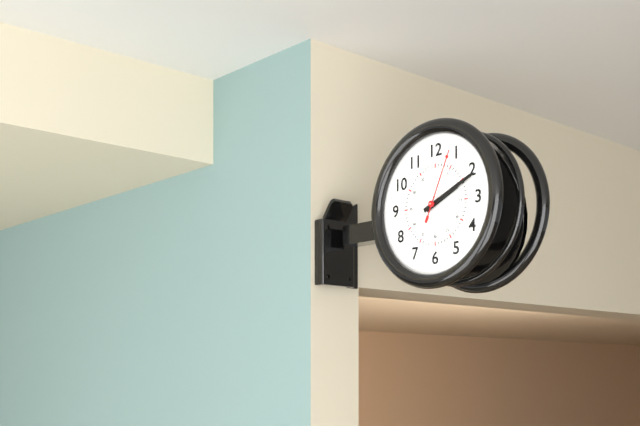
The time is {"hour": 2, "minute": 11, "second": 4}
